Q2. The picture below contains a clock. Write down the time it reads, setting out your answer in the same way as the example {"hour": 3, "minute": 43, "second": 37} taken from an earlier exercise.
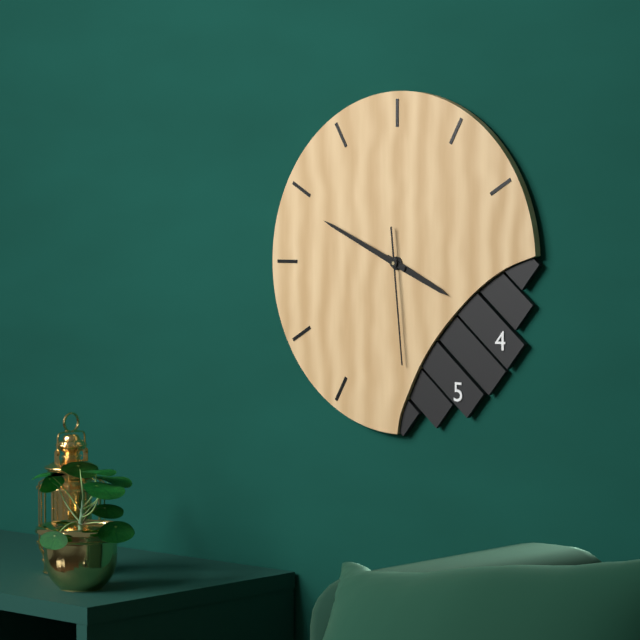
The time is {"hour": 3, "minute": 49, "second": 29}
